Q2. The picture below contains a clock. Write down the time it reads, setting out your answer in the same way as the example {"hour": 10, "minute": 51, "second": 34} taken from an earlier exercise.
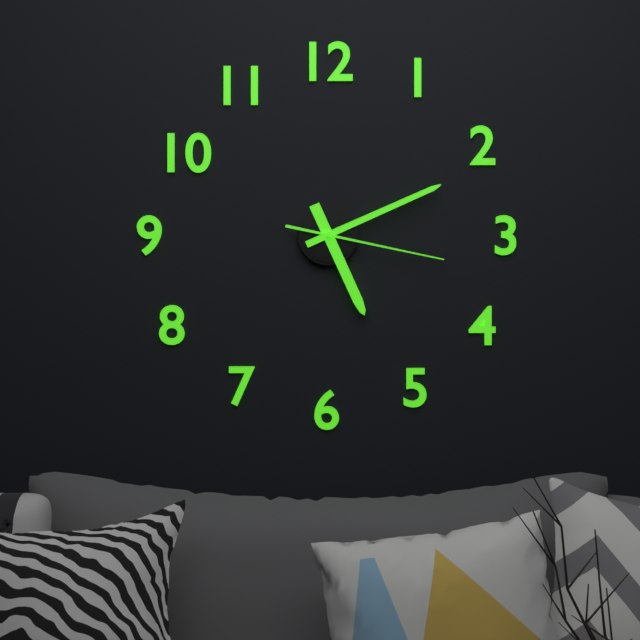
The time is {"hour": 5, "minute": 11, "second": 17}
